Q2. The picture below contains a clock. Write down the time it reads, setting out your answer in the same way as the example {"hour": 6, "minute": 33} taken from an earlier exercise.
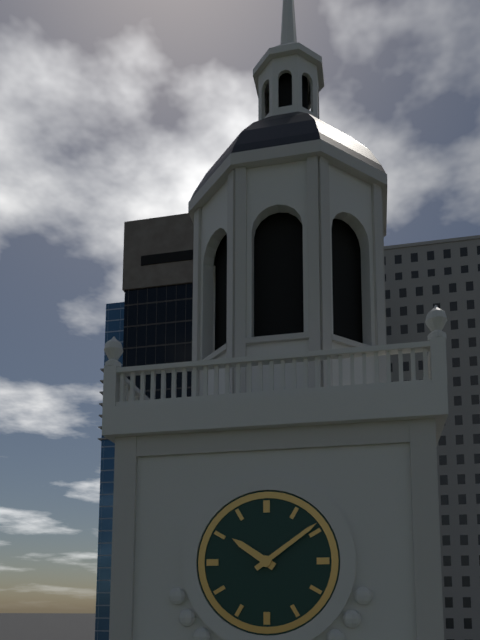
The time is {"hour": 10, "minute": 9}
